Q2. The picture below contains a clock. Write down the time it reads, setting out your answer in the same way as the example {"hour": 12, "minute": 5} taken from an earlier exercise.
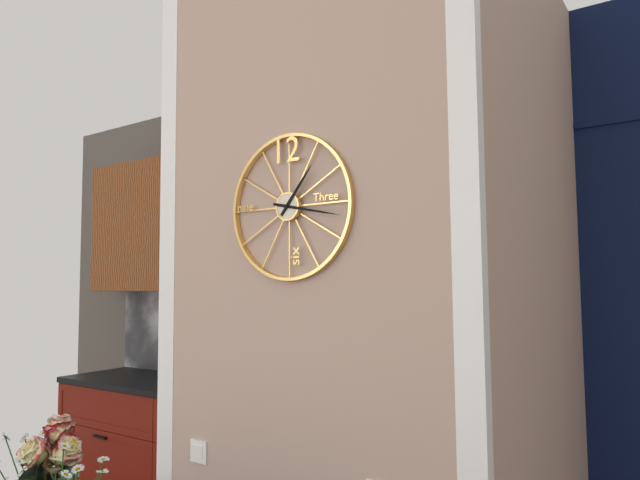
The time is {"hour": 1, "minute": 17}
